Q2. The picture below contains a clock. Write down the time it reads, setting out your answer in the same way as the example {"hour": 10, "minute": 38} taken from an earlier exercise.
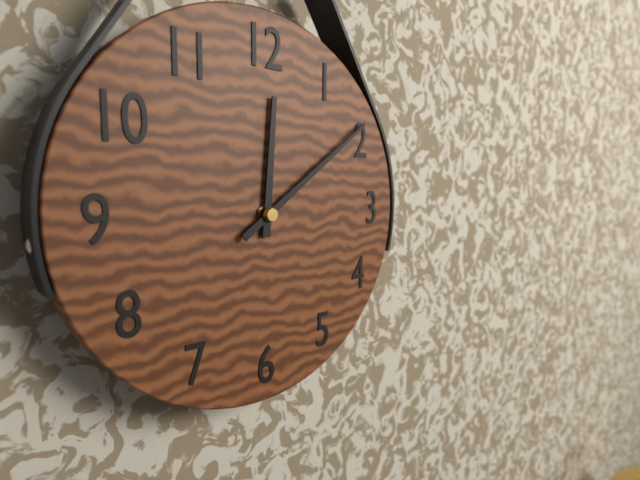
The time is {"hour": 12, "minute": 9}
